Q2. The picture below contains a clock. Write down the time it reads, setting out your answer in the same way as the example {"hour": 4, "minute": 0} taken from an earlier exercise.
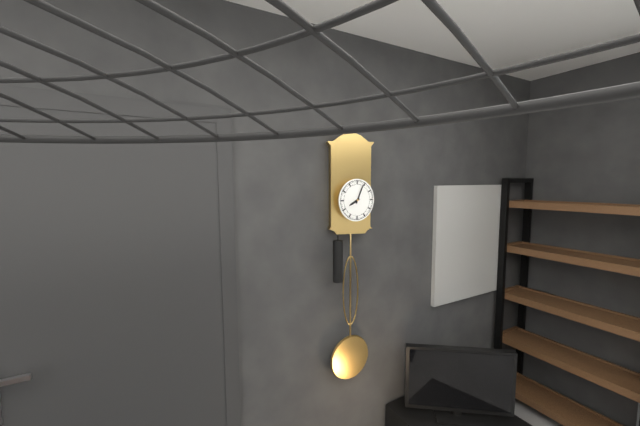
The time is {"hour": 8, "minute": 4}
